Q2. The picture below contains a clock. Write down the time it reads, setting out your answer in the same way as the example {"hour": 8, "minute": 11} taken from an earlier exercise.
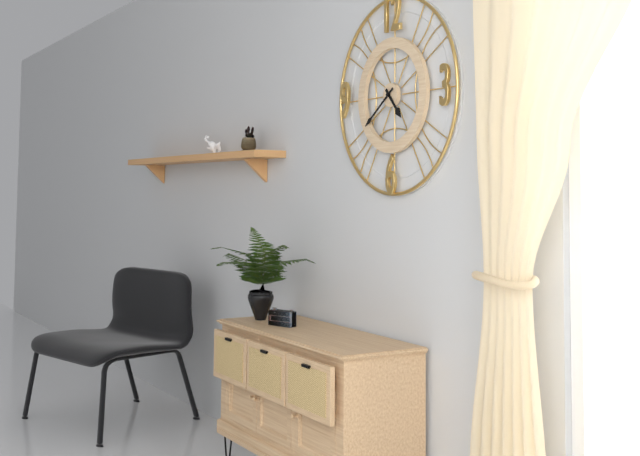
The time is {"hour": 4, "minute": 39}
